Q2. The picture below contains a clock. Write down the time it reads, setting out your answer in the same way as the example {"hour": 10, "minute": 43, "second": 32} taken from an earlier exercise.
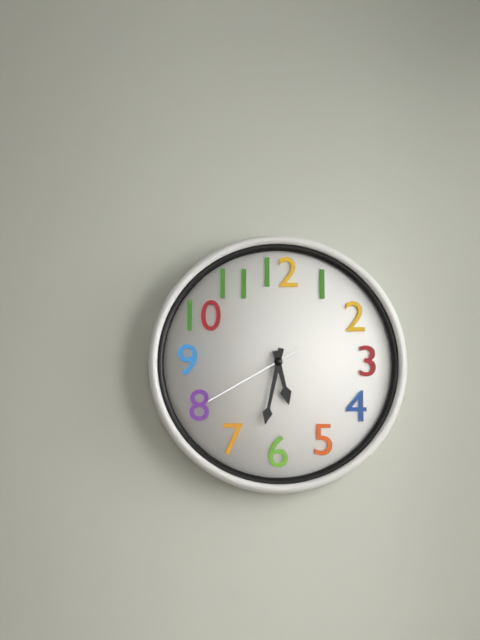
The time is {"hour": 5, "minute": 32, "second": 40}
